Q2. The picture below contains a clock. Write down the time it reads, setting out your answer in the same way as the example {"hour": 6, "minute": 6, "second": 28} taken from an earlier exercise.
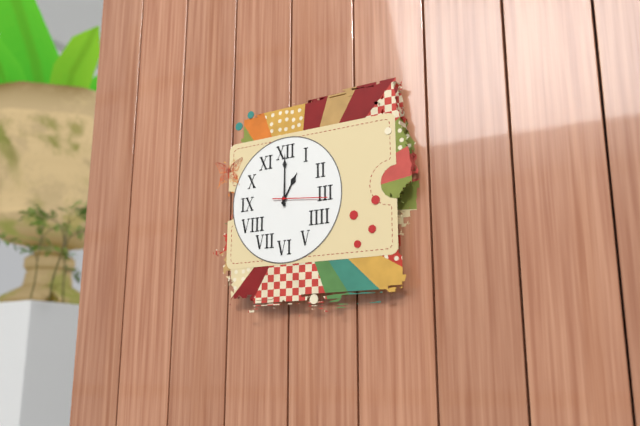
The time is {"hour": 1, "minute": 0, "second": 16}
